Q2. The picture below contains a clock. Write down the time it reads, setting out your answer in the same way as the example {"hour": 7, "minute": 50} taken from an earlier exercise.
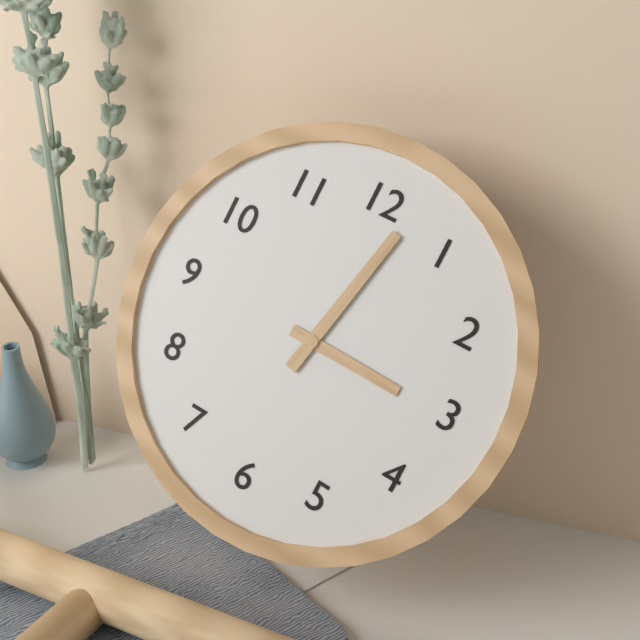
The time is {"hour": 3, "minute": 2}
